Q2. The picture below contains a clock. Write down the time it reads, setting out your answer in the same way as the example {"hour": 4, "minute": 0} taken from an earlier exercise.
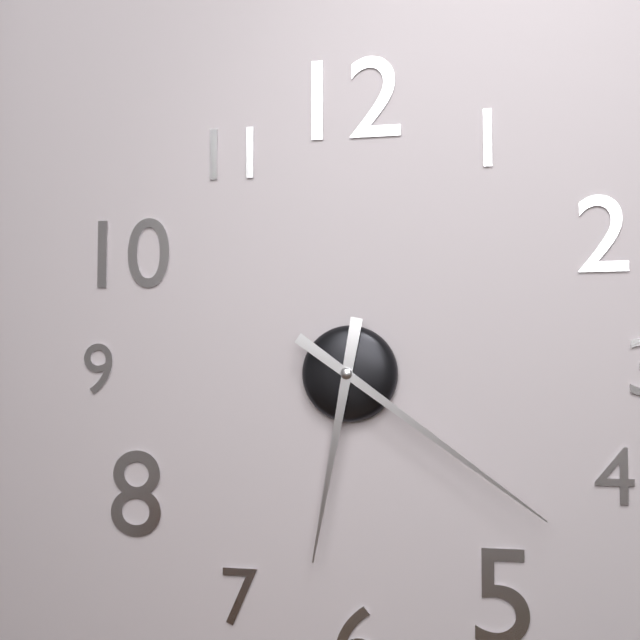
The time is {"hour": 6, "minute": 21}
